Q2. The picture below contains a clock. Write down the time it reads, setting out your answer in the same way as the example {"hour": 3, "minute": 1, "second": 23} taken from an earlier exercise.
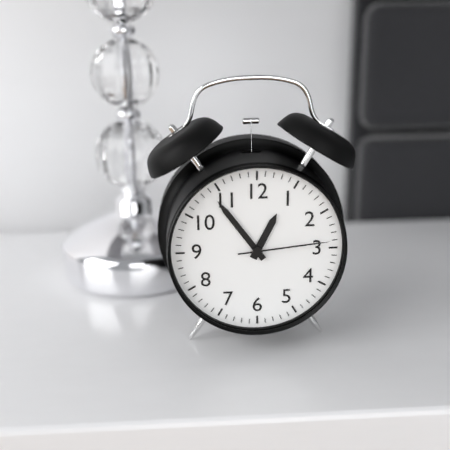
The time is {"hour": 12, "minute": 54, "second": 14}
